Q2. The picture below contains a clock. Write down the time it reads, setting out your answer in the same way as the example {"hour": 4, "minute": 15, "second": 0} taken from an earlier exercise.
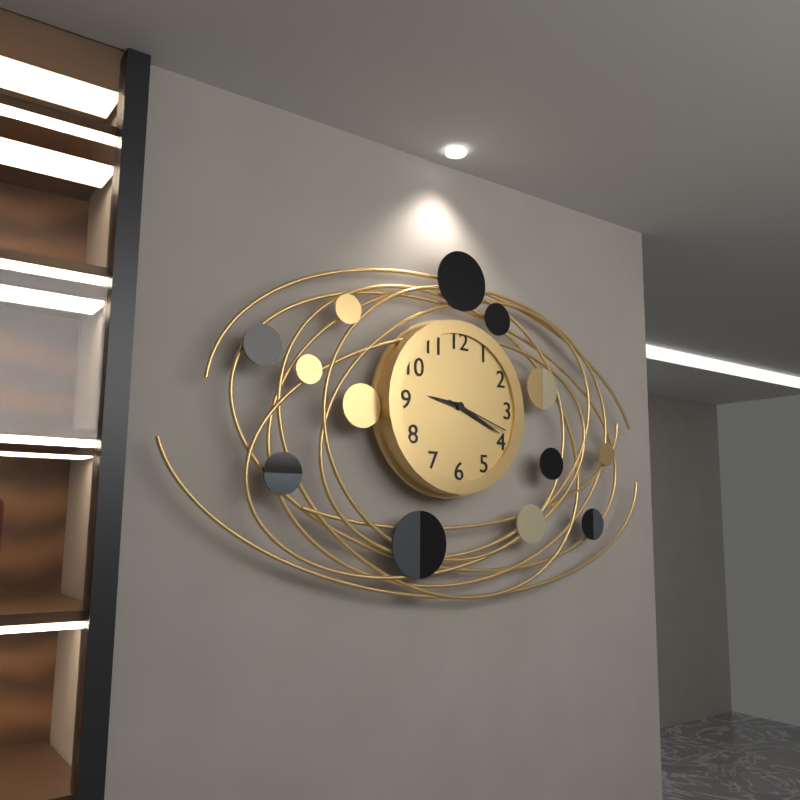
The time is {"hour": 9, "minute": 19, "second": 18}
